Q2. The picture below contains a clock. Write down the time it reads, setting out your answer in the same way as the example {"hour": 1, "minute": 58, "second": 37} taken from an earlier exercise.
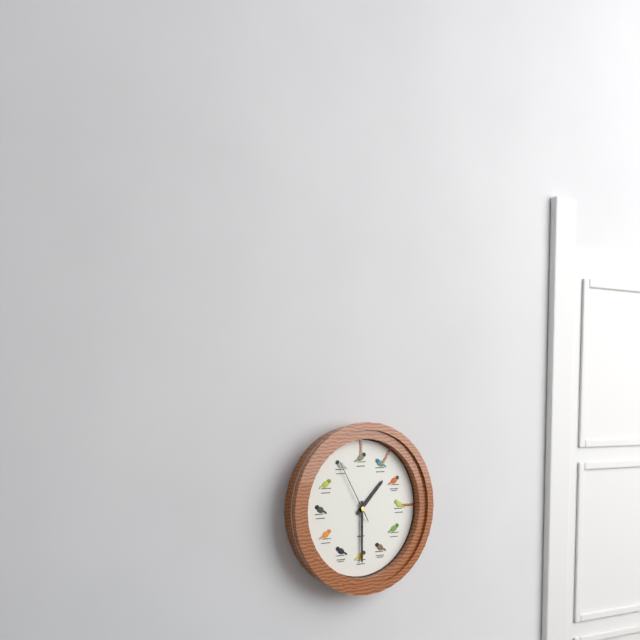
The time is {"hour": 1, "minute": 30, "second": 55}
